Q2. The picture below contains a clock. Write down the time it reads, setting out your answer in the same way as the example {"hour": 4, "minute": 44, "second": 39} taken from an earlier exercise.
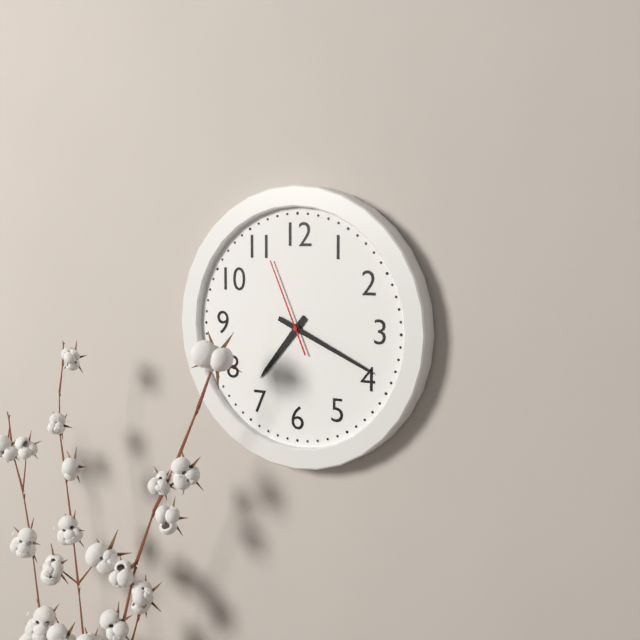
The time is {"hour": 7, "minute": 19, "second": 56}
